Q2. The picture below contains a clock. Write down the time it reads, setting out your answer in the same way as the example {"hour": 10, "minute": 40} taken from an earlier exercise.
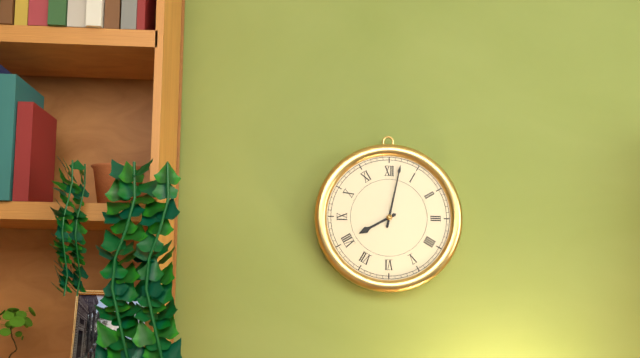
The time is {"hour": 8, "minute": 2}
